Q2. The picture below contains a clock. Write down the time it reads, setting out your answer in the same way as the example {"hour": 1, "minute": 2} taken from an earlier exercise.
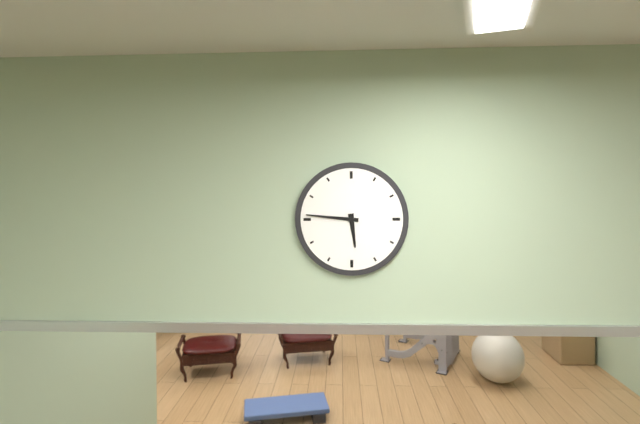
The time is {"hour": 5, "minute": 46}
